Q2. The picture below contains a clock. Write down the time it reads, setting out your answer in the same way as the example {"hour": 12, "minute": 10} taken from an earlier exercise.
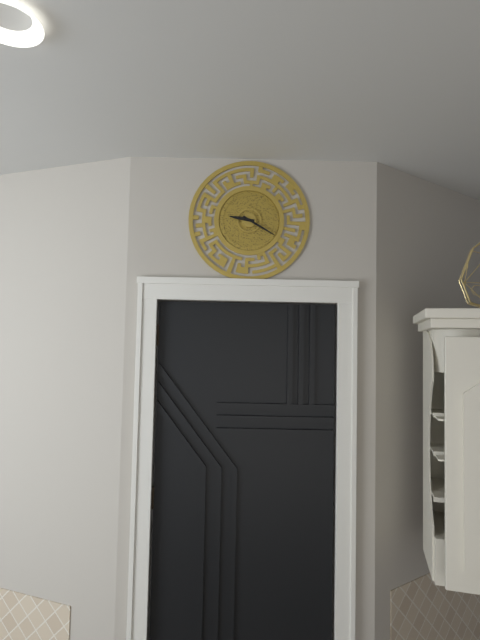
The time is {"hour": 9, "minute": 20}
